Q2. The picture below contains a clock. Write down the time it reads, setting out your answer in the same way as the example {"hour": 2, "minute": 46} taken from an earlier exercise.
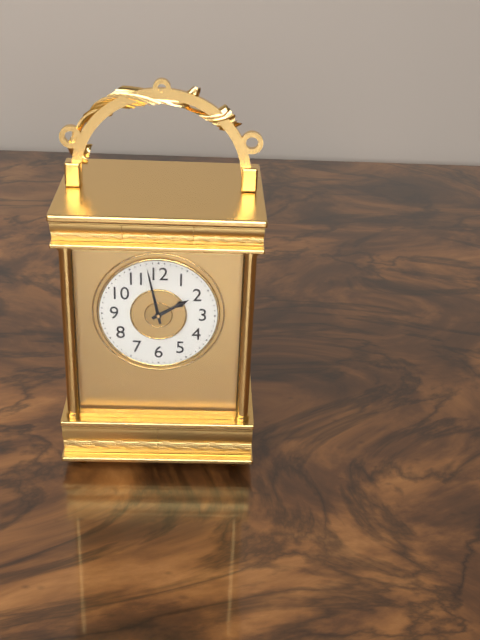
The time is {"hour": 1, "minute": 58}
